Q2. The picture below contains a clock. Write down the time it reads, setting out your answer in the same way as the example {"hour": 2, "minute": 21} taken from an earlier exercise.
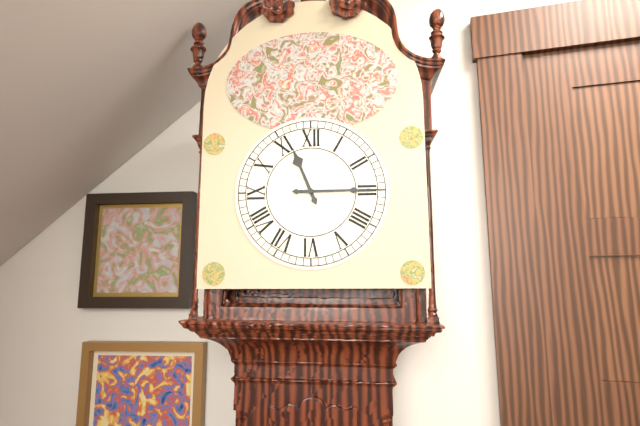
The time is {"hour": 11, "minute": 15}
